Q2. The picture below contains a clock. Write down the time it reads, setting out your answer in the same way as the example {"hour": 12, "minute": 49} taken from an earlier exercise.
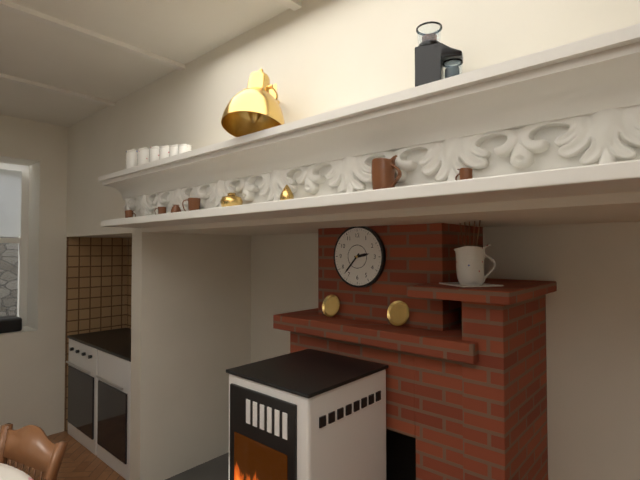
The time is {"hour": 2, "minute": 37}
